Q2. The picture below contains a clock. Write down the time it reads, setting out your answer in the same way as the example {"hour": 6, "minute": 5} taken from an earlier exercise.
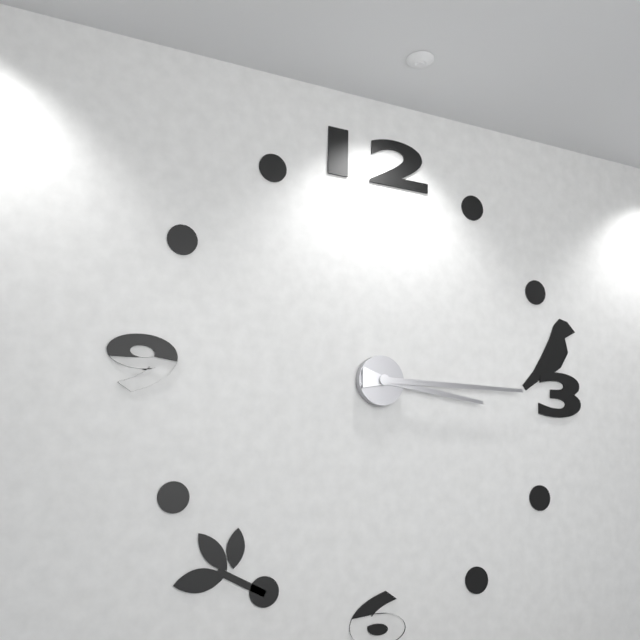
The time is {"hour": 3, "minute": 15}
